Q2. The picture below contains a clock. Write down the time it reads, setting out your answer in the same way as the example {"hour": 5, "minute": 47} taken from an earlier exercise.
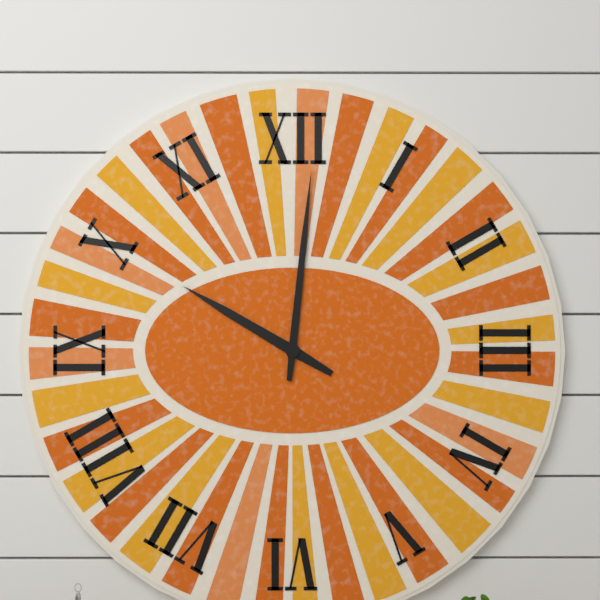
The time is {"hour": 10, "minute": 1}
